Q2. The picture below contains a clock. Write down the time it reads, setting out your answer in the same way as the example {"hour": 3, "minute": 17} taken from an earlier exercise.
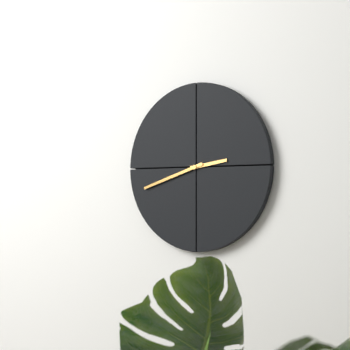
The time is {"hour": 2, "minute": 42}
